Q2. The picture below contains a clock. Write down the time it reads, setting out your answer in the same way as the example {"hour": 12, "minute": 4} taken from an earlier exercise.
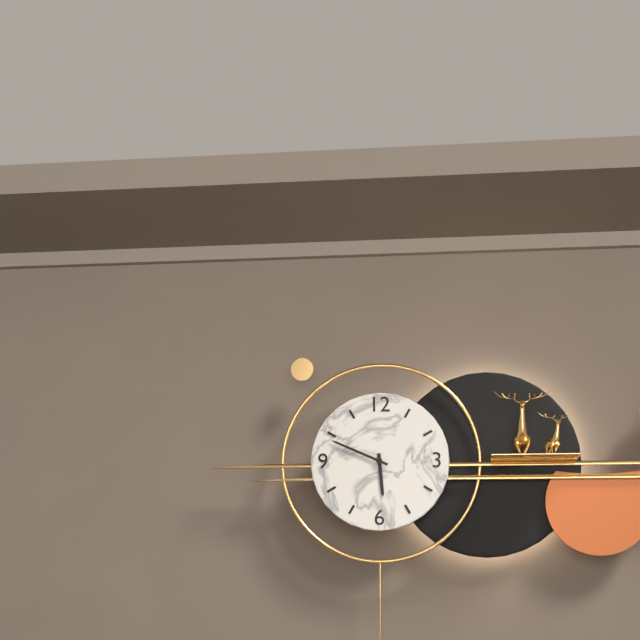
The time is {"hour": 5, "minute": 49}
